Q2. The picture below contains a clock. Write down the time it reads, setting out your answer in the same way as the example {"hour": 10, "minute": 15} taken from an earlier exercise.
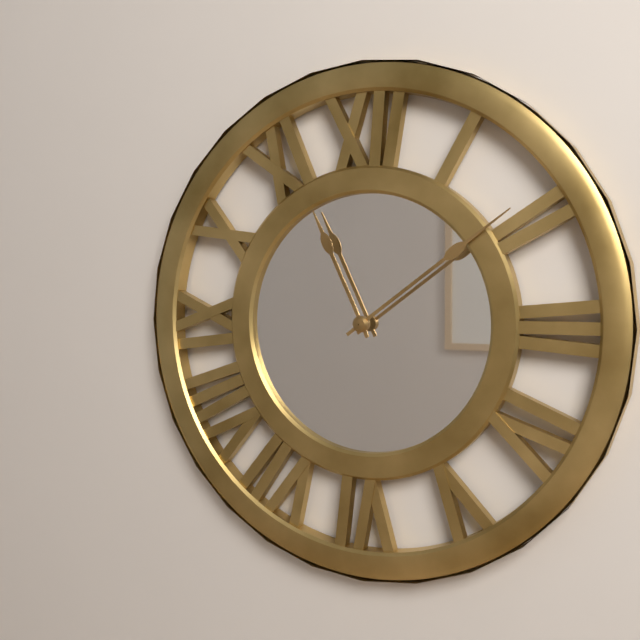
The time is {"hour": 11, "minute": 9}
